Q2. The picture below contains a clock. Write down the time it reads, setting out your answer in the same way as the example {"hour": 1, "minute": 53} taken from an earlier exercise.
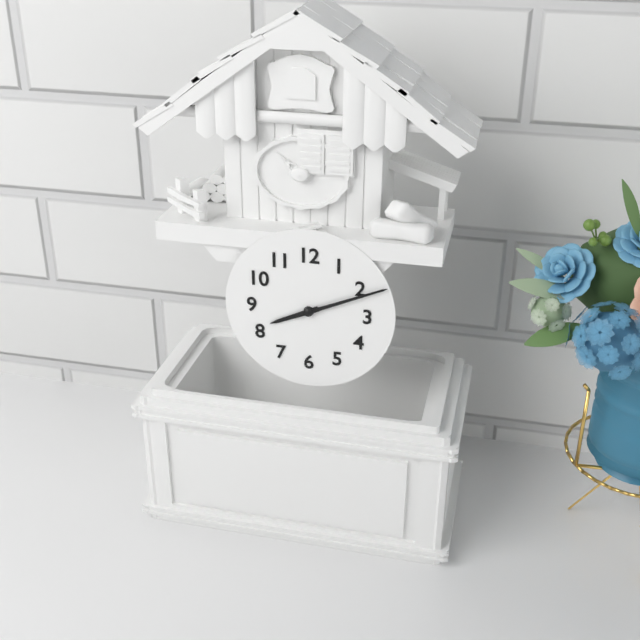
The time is {"hour": 8, "minute": 11}
